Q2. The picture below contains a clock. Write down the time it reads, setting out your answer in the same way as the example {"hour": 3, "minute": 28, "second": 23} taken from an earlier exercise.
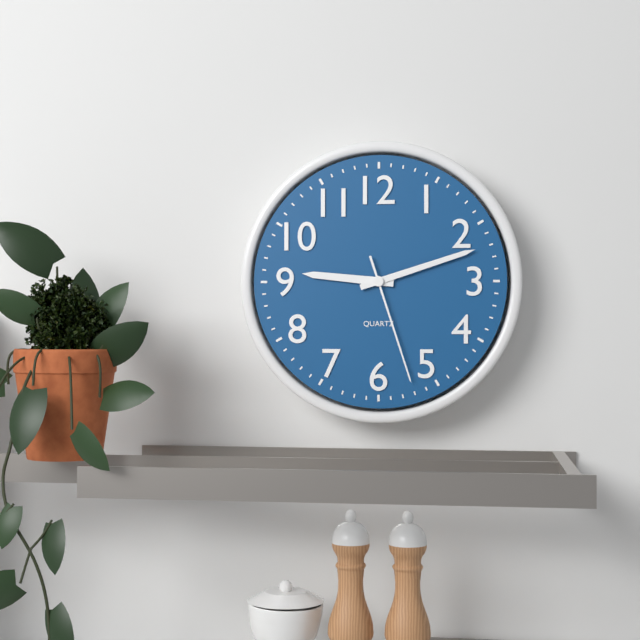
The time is {"hour": 9, "minute": 12, "second": 27}
